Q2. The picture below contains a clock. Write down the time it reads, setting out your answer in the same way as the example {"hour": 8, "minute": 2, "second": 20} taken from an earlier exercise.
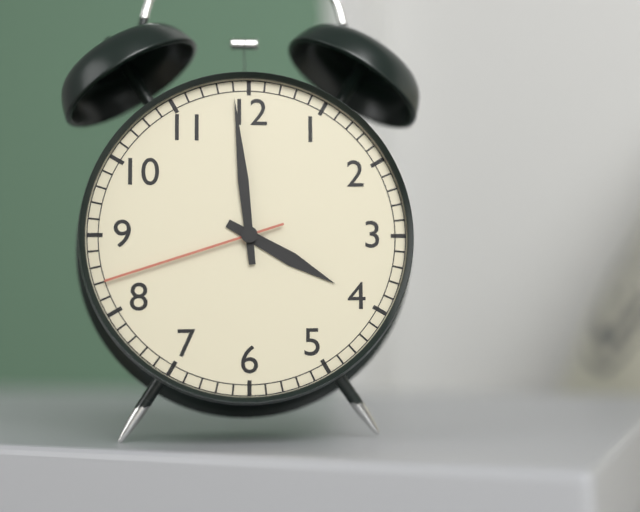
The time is {"hour": 3, "minute": 59, "second": 42}
